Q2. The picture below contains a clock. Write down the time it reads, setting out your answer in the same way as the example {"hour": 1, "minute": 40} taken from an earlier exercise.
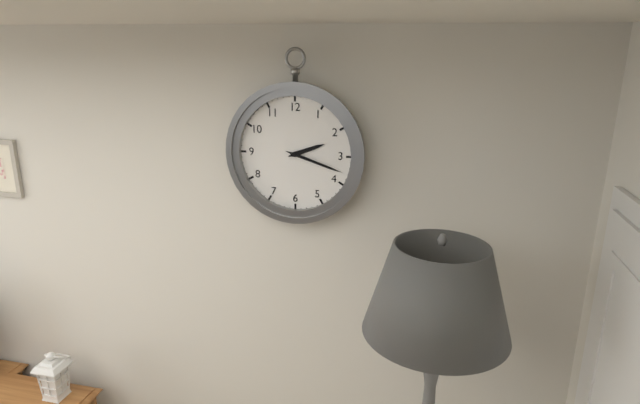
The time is {"hour": 2, "minute": 18}
